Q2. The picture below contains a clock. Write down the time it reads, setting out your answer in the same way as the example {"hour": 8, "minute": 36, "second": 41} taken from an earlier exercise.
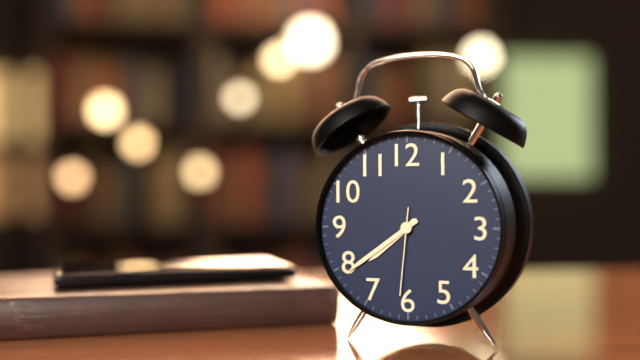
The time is {"hour": 7, "minute": 39, "second": 31}
